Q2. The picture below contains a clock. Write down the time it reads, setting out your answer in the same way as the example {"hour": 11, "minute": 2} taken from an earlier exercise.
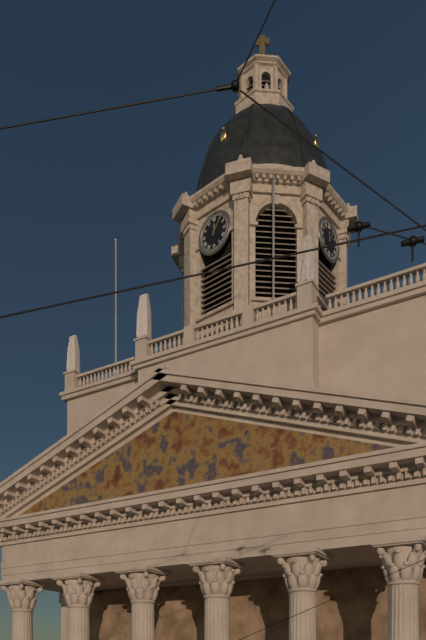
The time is {"hour": 12, "minute": 6}
